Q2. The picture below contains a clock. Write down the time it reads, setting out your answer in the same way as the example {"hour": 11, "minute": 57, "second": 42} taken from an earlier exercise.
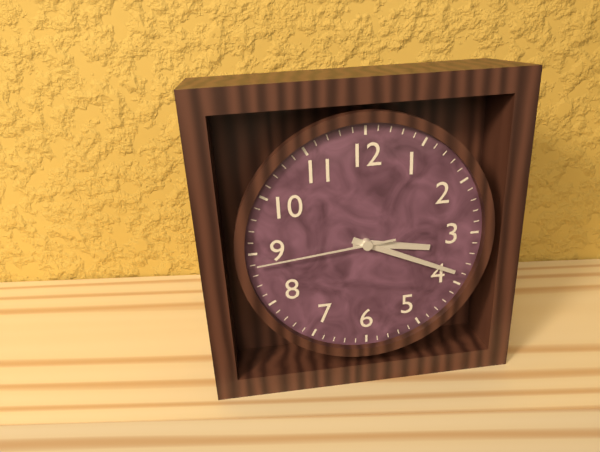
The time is {"hour": 3, "minute": 19, "second": 44}
